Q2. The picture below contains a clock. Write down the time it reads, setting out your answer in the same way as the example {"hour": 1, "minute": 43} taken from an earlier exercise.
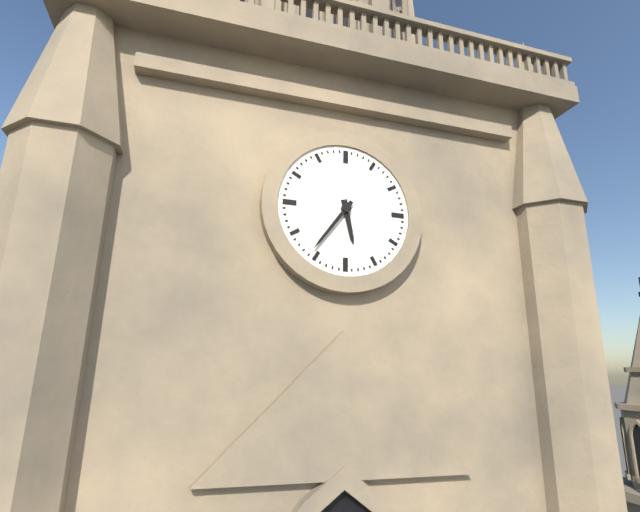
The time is {"hour": 5, "minute": 36}
